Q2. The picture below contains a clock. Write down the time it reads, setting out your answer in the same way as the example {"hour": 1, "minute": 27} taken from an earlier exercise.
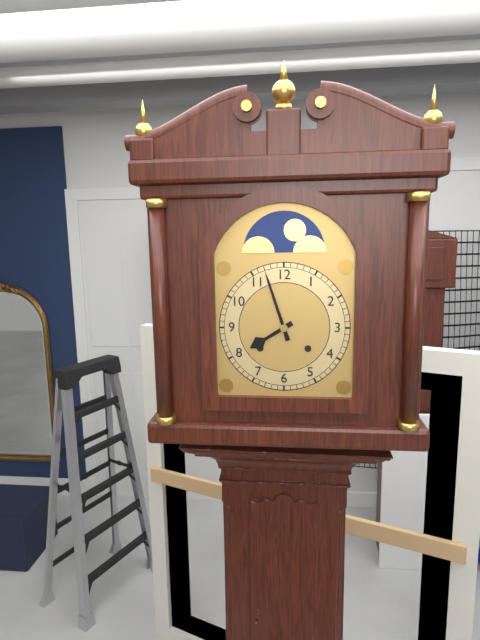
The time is {"hour": 7, "minute": 57}
